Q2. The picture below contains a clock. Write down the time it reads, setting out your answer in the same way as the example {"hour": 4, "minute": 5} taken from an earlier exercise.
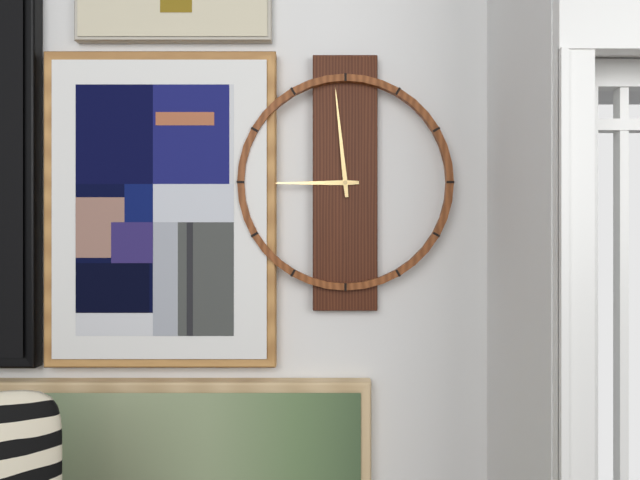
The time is {"hour": 8, "minute": 59}
